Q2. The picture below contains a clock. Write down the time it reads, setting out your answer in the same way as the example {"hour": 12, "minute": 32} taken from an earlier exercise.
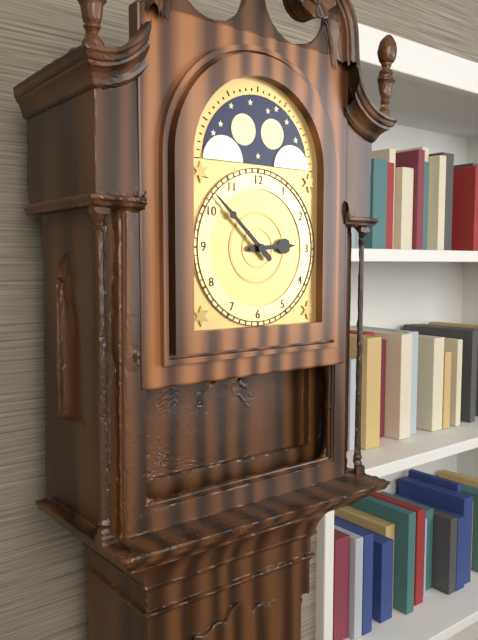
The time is {"hour": 2, "minute": 52}
